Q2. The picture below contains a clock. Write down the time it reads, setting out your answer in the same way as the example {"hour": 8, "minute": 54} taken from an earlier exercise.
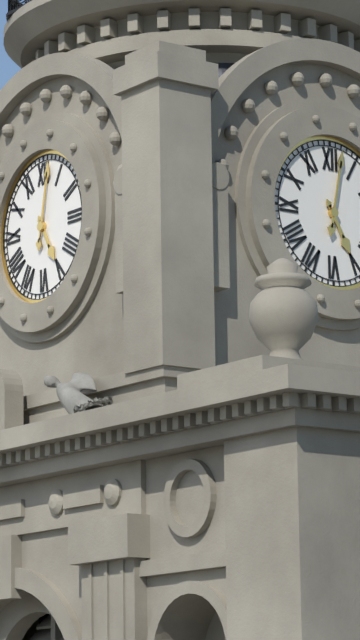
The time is {"hour": 5, "minute": 2}
